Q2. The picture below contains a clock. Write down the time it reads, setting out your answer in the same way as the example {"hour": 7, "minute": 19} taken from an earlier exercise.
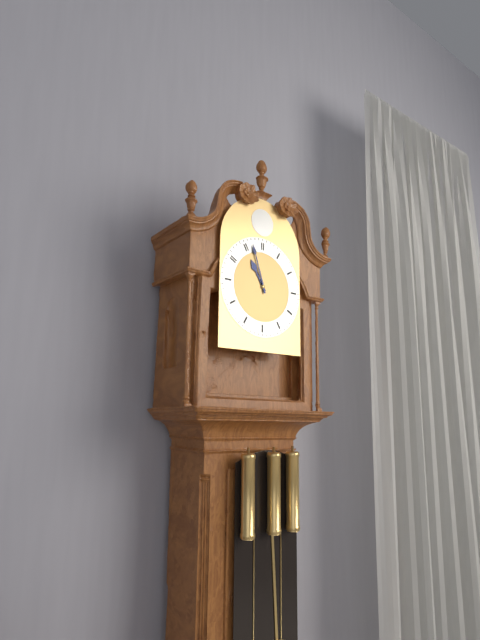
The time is {"hour": 10, "minute": 57}
